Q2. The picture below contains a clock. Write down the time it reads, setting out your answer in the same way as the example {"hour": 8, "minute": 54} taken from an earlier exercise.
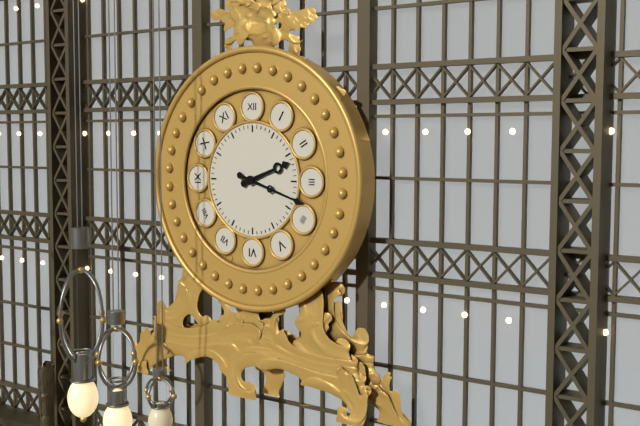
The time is {"hour": 2, "minute": 18}
